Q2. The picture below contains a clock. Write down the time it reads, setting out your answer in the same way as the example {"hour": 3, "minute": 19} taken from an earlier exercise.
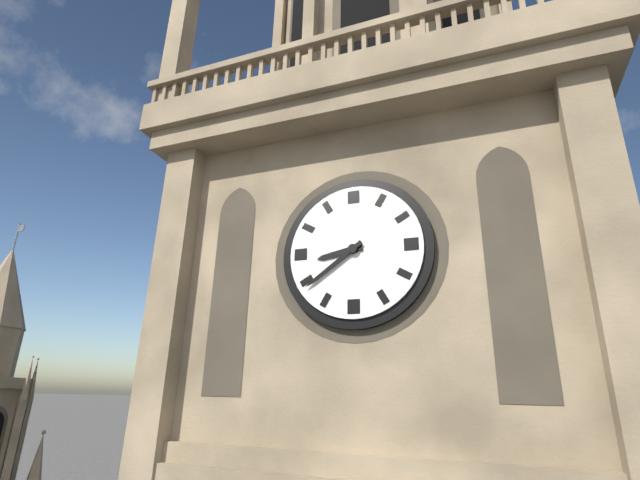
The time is {"hour": 8, "minute": 39}
